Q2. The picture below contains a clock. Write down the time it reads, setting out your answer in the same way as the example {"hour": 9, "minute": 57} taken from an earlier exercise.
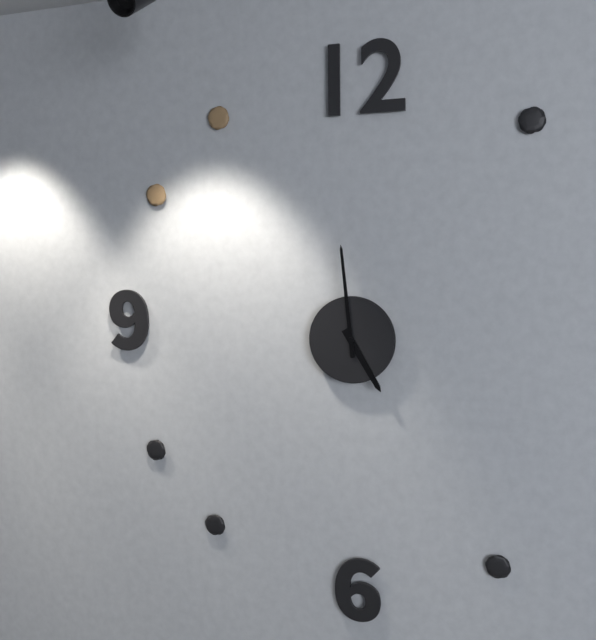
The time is {"hour": 4, "minute": 59}
